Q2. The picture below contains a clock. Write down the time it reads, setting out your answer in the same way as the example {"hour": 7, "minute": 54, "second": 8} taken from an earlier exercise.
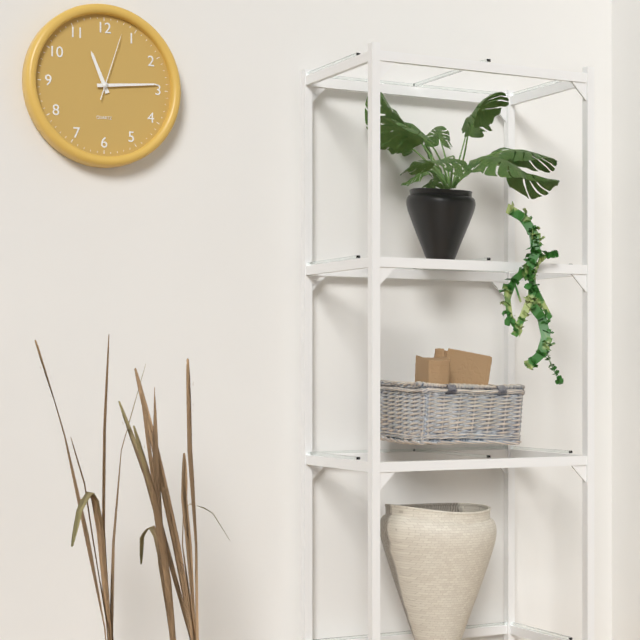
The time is {"hour": 11, "minute": 14, "second": 3}
